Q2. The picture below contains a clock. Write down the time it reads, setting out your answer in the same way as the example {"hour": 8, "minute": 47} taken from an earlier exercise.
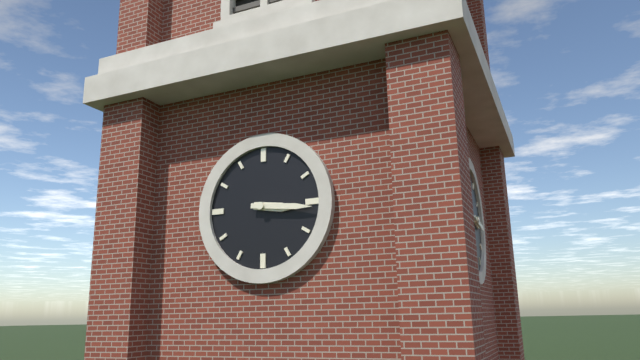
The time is {"hour": 3, "minute": 16}
